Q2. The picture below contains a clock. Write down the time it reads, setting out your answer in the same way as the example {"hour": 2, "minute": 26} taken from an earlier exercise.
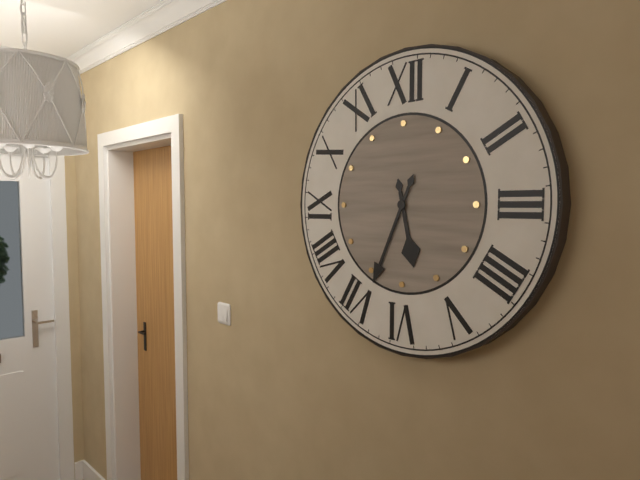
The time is {"hour": 5, "minute": 34}
